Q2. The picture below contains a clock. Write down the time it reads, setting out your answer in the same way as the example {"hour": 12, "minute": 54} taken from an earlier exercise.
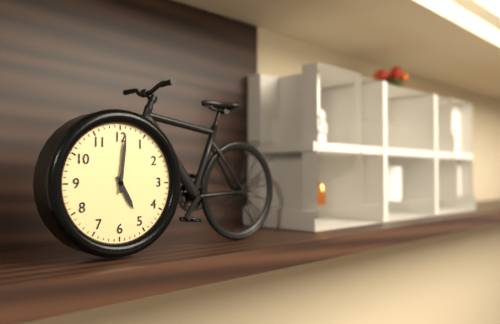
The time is {"hour": 5, "minute": 1}
